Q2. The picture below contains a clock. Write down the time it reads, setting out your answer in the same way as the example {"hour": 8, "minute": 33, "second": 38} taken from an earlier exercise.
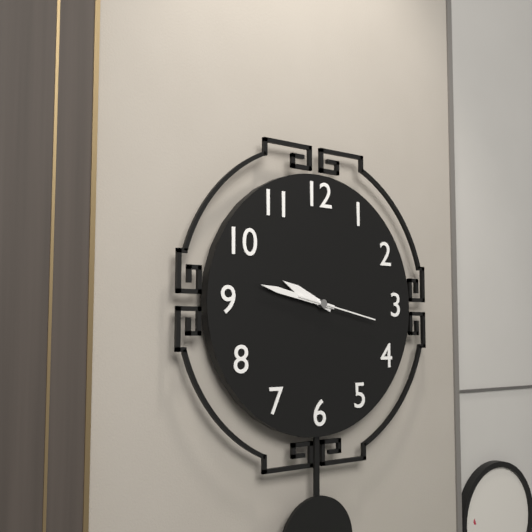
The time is {"hour": 9, "minute": 47, "second": 17}
